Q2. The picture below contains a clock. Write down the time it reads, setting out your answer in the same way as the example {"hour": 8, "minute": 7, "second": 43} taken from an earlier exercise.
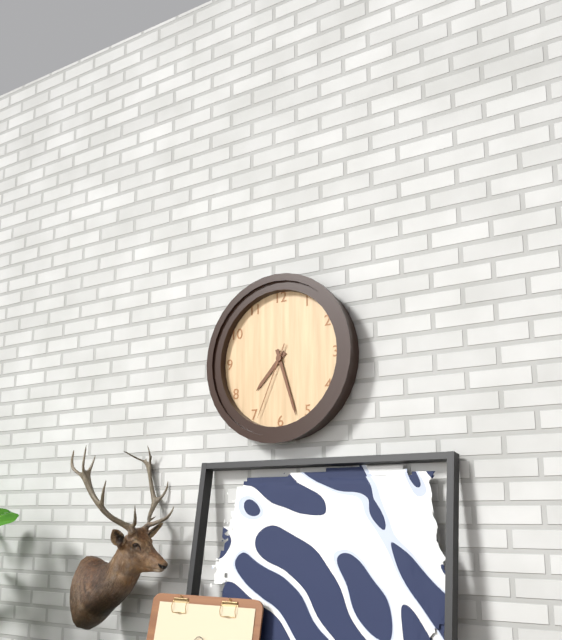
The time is {"hour": 7, "minute": 27, "second": 34}
